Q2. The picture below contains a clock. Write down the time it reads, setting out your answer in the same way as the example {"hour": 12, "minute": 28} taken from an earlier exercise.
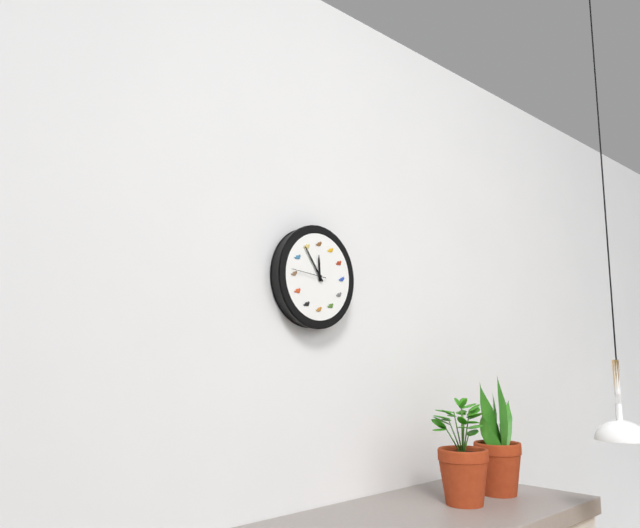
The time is {"hour": 11, "minute": 54}
